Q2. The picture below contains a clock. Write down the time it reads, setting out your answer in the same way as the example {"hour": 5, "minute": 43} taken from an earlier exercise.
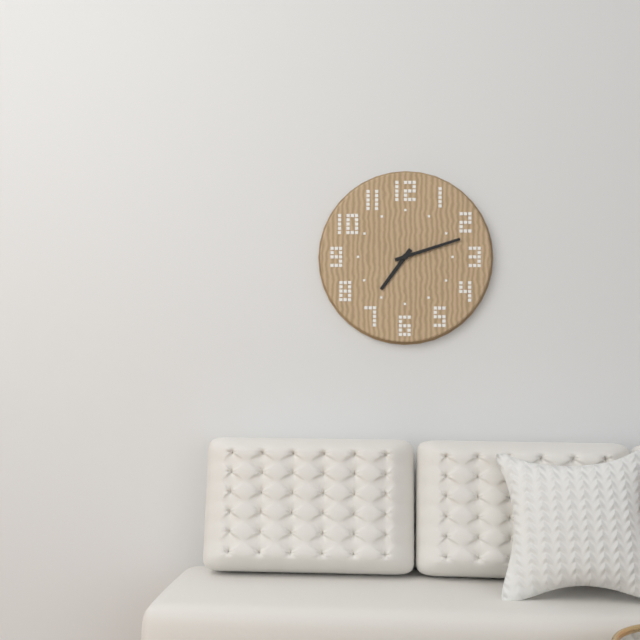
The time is {"hour": 7, "minute": 12}
